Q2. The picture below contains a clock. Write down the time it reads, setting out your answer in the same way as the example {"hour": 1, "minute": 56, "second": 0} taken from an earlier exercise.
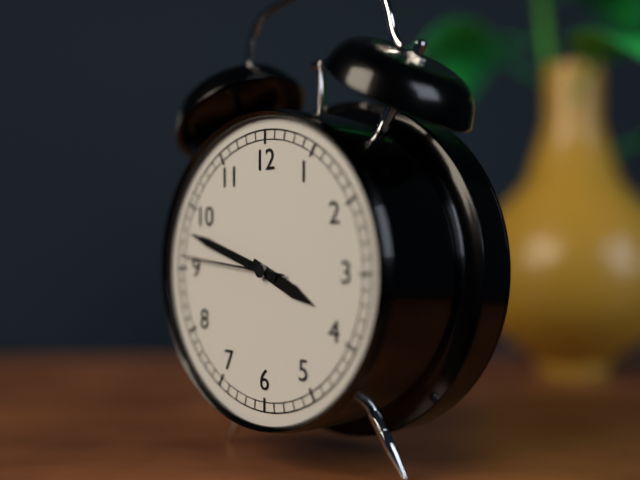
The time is {"hour": 3, "minute": 48, "second": 46}
